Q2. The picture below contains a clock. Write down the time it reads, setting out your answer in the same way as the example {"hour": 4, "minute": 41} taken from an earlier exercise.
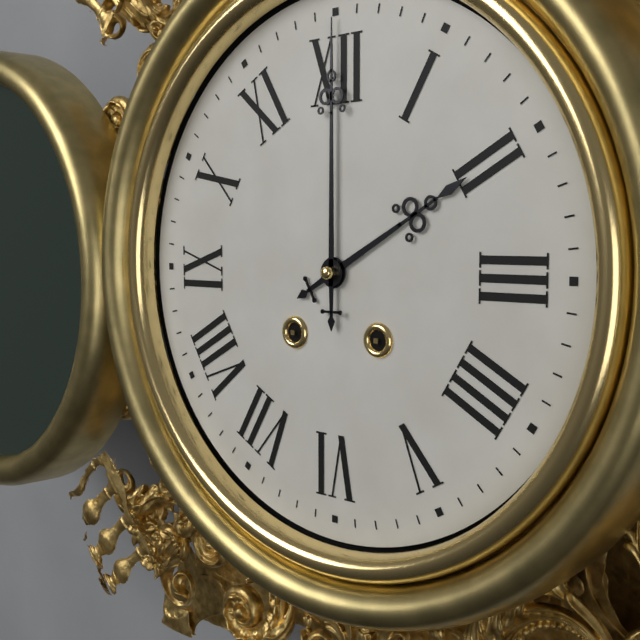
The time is {"hour": 2, "minute": 0}
